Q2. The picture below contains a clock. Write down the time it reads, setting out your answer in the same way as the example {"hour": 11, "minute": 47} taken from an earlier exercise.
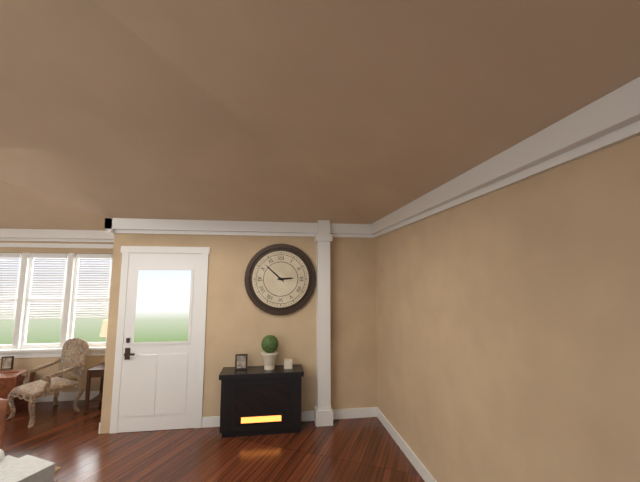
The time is {"hour": 2, "minute": 52}
